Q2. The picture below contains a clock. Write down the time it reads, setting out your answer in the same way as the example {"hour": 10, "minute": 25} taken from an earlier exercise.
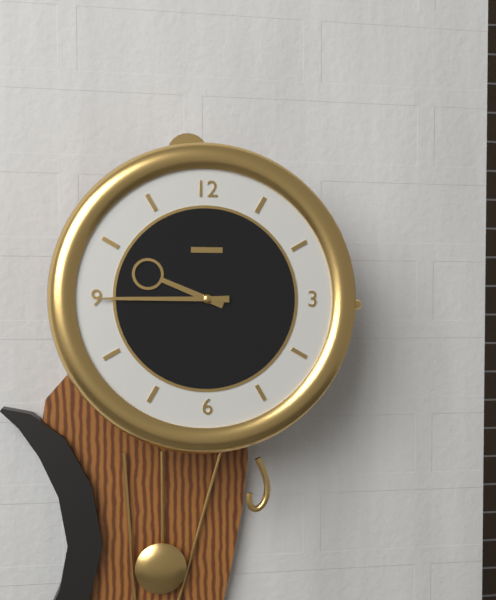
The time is {"hour": 9, "minute": 45}
